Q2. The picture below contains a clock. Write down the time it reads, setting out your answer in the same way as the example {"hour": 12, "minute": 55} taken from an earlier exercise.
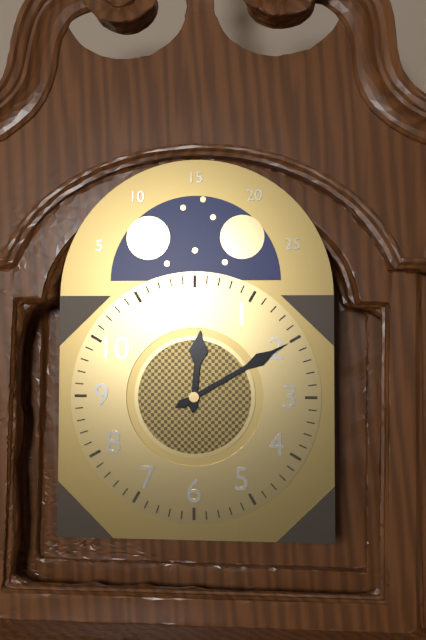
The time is {"hour": 12, "minute": 10}
